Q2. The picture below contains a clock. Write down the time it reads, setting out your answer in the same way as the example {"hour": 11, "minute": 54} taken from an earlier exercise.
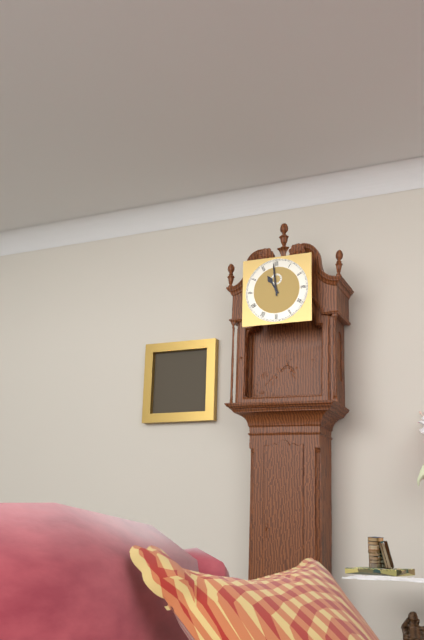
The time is {"hour": 10, "minute": 59}
